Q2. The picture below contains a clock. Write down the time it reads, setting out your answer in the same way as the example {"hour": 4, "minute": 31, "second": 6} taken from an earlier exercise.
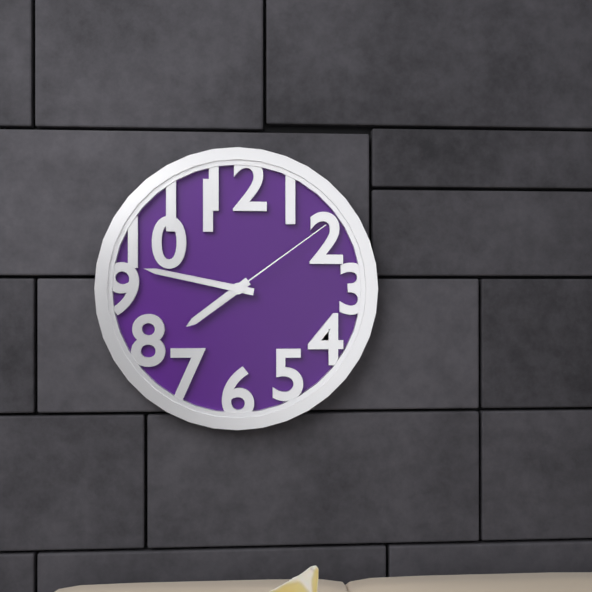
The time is {"hour": 7, "minute": 47, "second": 9}
